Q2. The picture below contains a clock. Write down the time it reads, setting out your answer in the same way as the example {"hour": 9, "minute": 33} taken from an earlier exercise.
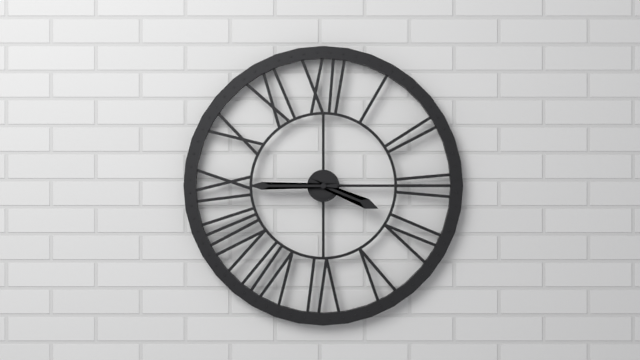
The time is {"hour": 3, "minute": 45}
